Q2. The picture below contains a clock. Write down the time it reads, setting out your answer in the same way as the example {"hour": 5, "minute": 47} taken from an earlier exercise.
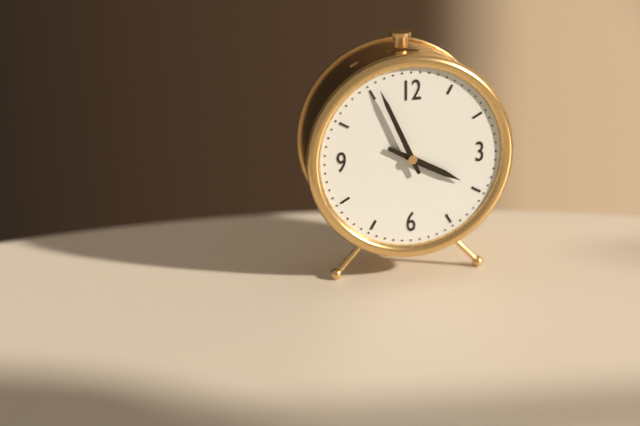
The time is {"hour": 3, "minute": 56}
